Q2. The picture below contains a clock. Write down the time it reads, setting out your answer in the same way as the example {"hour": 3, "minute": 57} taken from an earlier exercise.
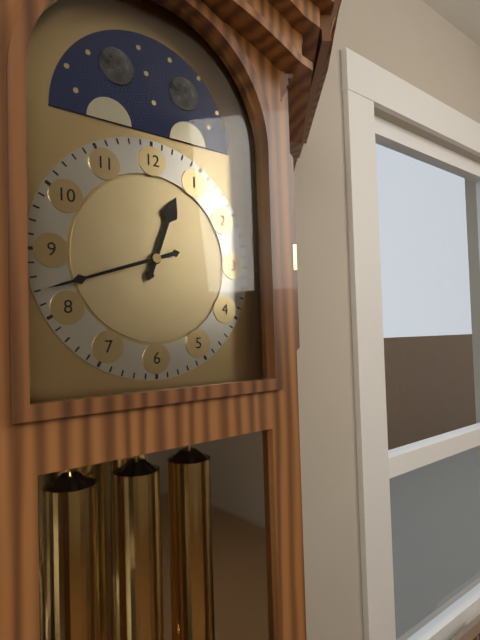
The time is {"hour": 12, "minute": 42}
